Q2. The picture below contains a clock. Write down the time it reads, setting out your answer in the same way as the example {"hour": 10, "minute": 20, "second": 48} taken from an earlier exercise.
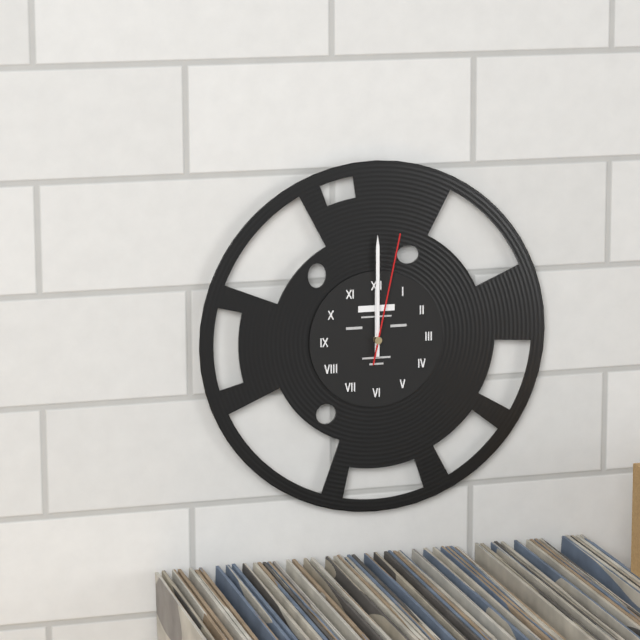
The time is {"hour": 12, "minute": 0, "second": 2}
